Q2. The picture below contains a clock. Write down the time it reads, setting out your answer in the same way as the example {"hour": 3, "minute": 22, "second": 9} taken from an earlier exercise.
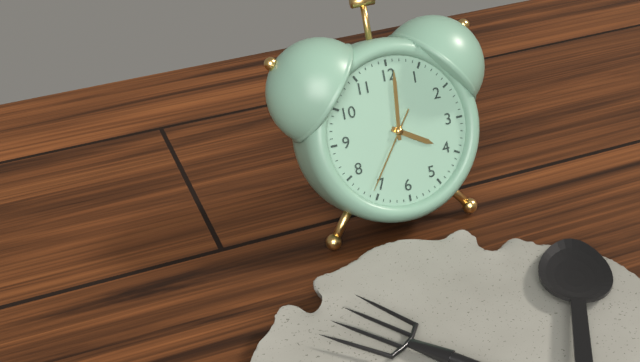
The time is {"hour": 4, "minute": 1, "second": 36}
